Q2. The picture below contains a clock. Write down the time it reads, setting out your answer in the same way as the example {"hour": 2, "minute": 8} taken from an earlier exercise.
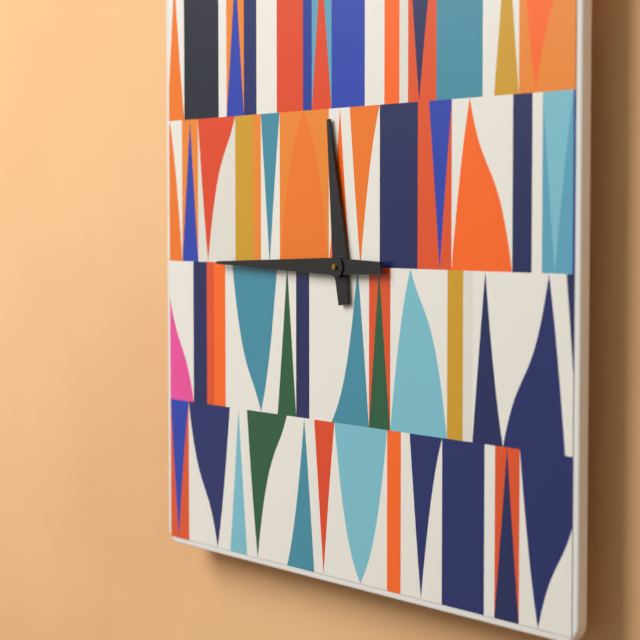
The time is {"hour": 11, "minute": 45}
